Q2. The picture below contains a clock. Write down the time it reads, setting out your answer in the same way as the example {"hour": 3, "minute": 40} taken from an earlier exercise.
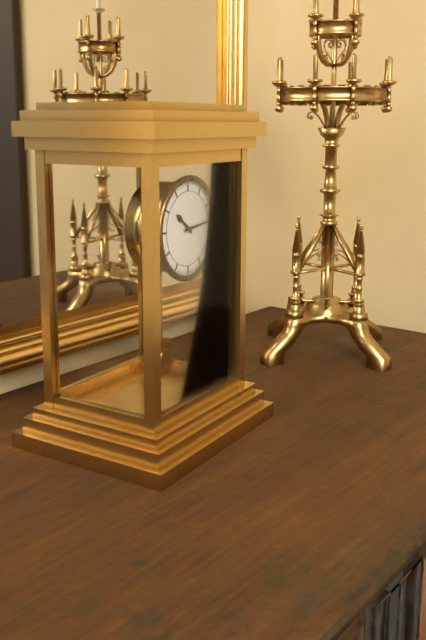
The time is {"hour": 10, "minute": 14}
